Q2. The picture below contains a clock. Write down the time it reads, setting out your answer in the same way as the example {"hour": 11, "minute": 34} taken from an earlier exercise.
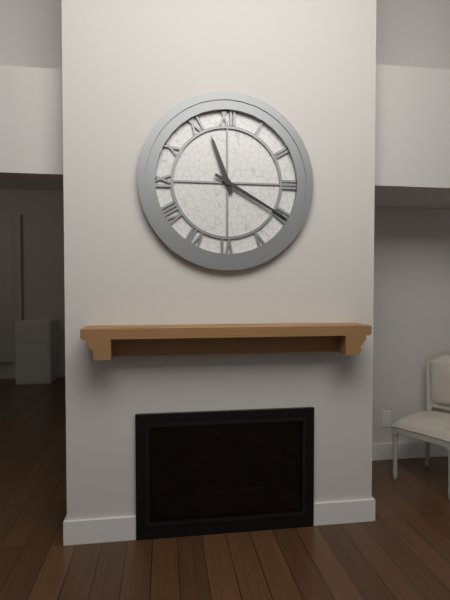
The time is {"hour": 11, "minute": 20}
